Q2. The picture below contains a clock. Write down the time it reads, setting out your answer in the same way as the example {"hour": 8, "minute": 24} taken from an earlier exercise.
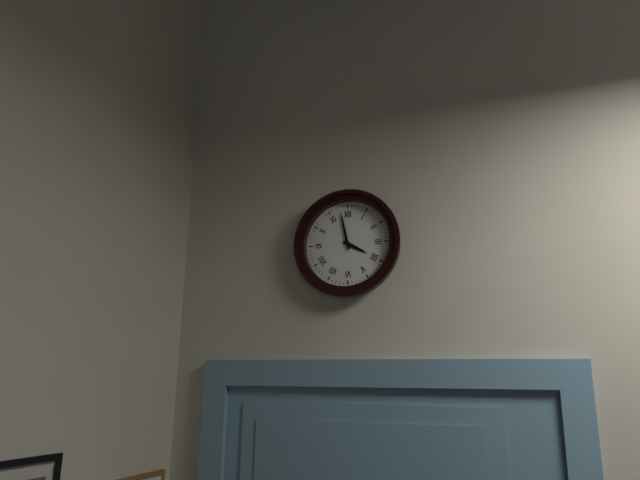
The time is {"hour": 3, "minute": 58}
